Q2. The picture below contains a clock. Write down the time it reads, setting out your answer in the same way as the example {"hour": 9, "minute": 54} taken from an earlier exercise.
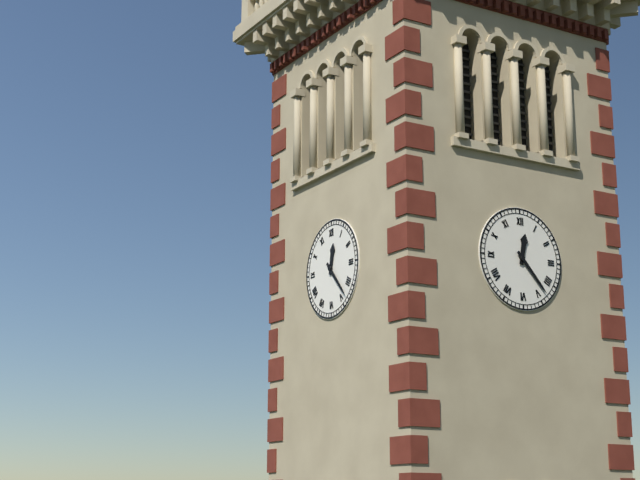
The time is {"hour": 12, "minute": 23}
